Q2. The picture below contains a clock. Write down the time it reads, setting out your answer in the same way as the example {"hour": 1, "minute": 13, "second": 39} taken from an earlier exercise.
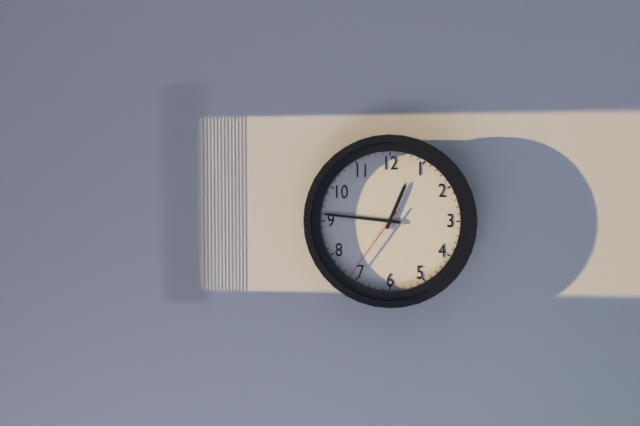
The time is {"hour": 12, "minute": 46, "second": 36}
